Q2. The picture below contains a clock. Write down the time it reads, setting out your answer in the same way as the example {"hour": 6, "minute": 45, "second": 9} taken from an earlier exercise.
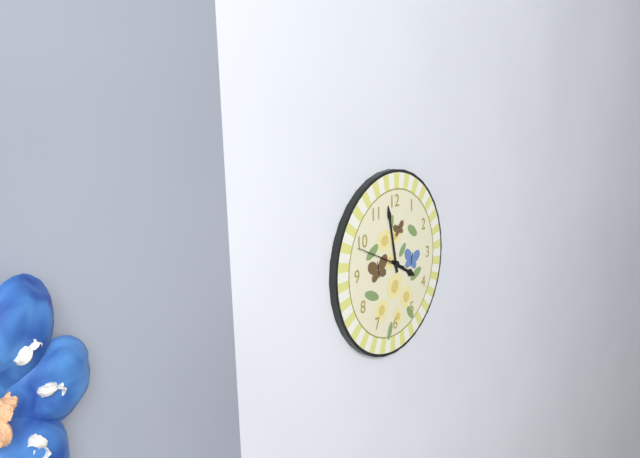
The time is {"hour": 3, "minute": 58, "second": 49}
